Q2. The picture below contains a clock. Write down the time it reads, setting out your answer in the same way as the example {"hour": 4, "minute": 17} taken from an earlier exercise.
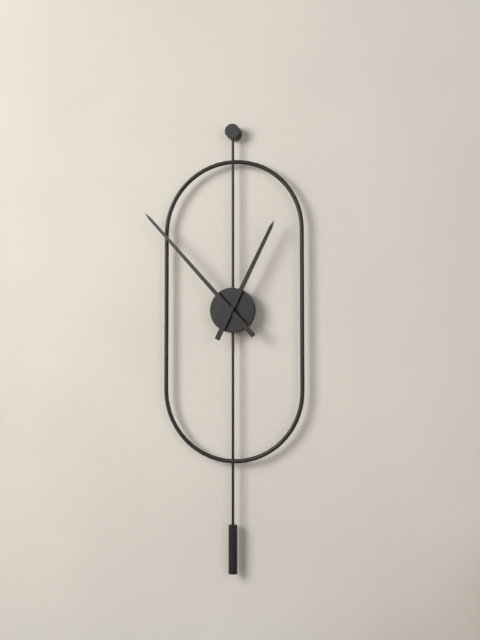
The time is {"hour": 12, "minute": 53}
